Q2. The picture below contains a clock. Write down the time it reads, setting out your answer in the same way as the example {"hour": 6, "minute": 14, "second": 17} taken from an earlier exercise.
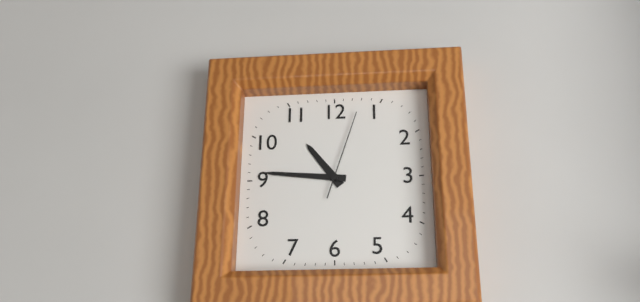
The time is {"hour": 10, "minute": 46, "second": 3}
